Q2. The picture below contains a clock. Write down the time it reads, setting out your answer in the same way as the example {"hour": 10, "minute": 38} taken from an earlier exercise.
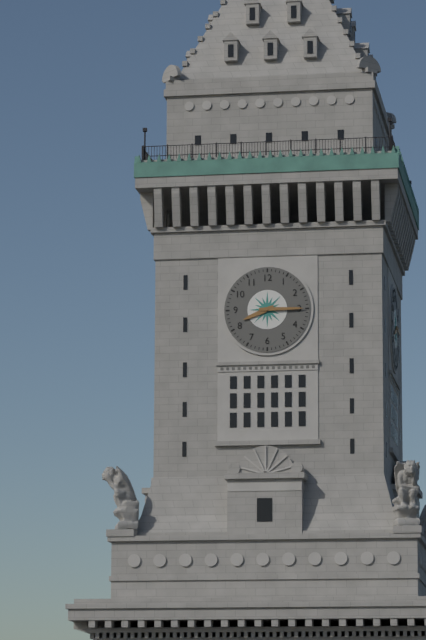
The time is {"hour": 8, "minute": 15}
